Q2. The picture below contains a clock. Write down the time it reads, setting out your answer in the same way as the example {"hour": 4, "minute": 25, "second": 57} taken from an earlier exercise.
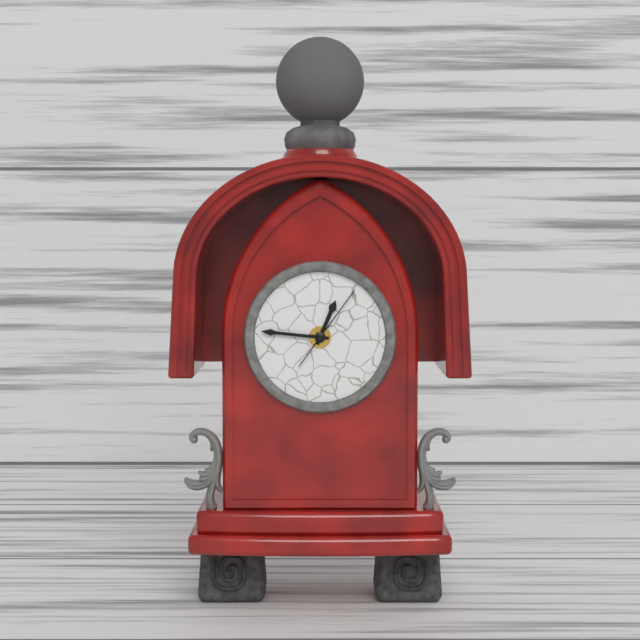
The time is {"hour": 12, "minute": 46, "second": 6}
